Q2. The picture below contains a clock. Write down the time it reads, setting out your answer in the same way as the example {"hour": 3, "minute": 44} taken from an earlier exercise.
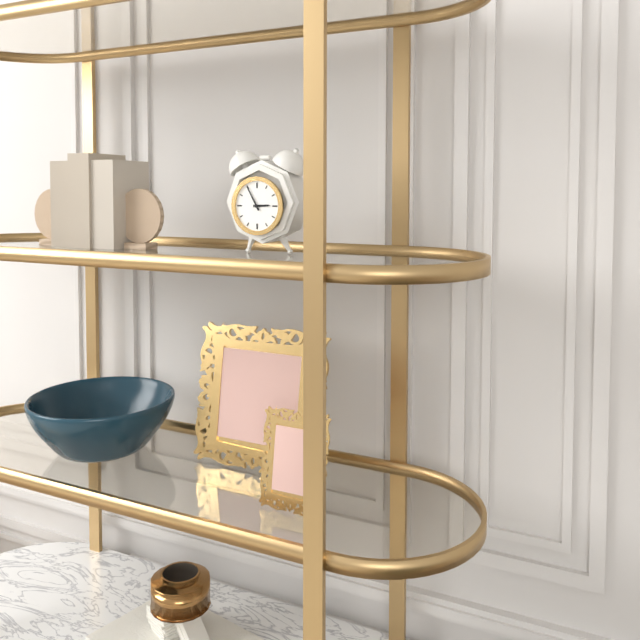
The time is {"hour": 2, "minute": 55}
